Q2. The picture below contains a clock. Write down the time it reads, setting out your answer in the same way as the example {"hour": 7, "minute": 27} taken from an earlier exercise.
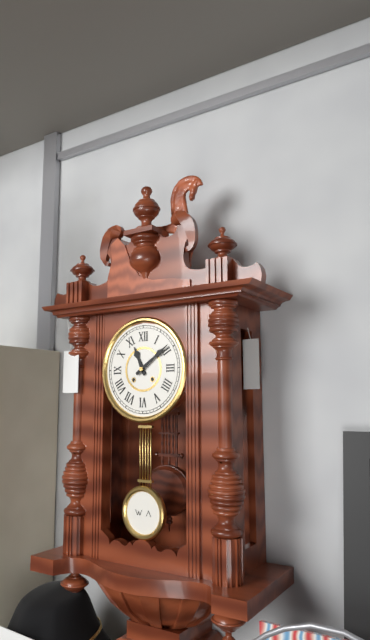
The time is {"hour": 11, "minute": 9}
